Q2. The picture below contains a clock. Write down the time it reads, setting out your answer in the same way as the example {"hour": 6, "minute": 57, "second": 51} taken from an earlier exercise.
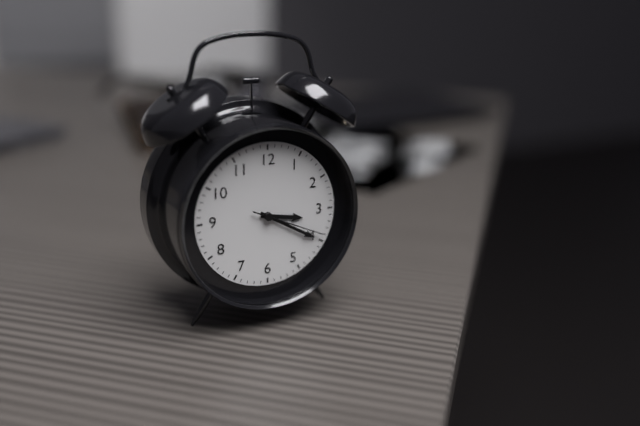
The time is {"hour": 3, "minute": 20, "second": 19}
